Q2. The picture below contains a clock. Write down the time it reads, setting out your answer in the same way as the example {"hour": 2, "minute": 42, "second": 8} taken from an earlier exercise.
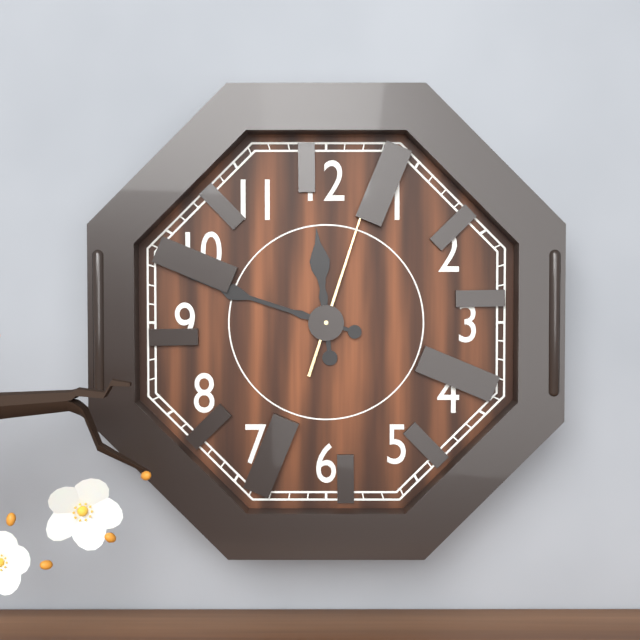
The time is {"hour": 11, "minute": 48, "second": 3}
